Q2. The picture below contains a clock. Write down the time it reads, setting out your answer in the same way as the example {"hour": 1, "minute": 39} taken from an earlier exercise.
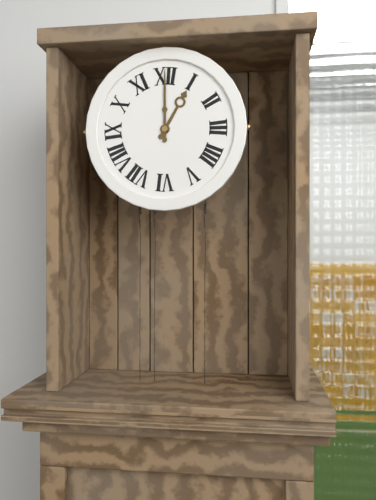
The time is {"hour": 1, "minute": 0}
